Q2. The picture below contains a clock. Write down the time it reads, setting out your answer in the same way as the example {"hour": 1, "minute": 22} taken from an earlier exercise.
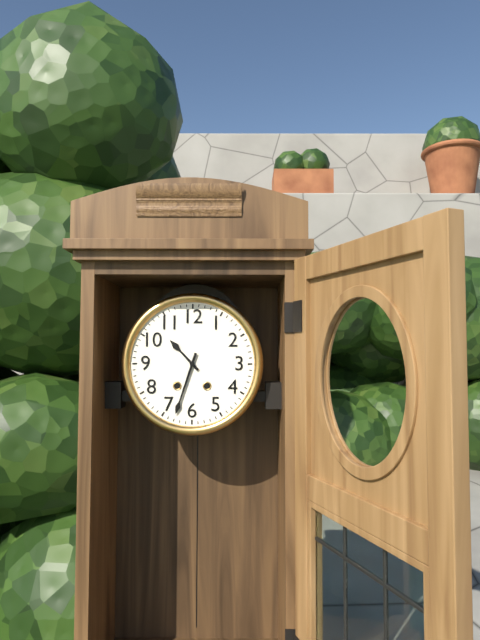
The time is {"hour": 10, "minute": 33}
